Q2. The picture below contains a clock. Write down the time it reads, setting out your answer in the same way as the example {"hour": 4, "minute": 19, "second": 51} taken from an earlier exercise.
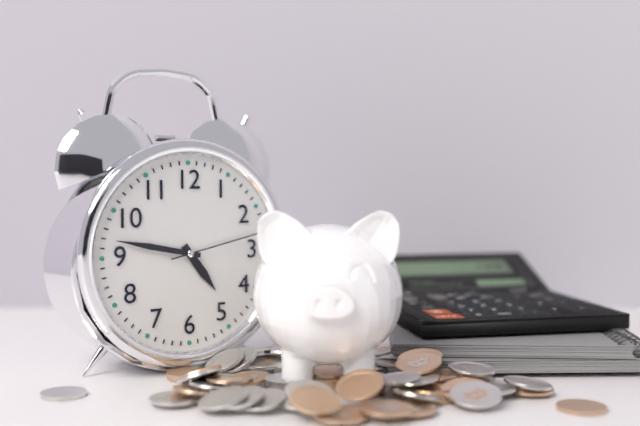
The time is {"hour": 4, "minute": 47, "second": 13}
